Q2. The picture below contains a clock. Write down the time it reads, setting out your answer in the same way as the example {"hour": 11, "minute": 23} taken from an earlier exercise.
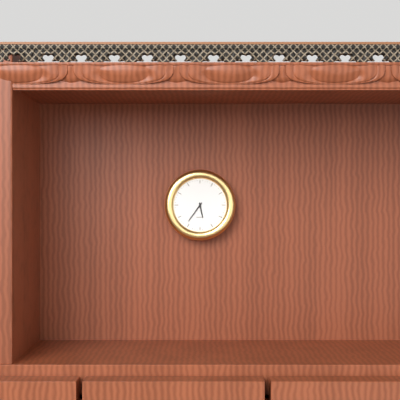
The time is {"hour": 5, "minute": 36}
